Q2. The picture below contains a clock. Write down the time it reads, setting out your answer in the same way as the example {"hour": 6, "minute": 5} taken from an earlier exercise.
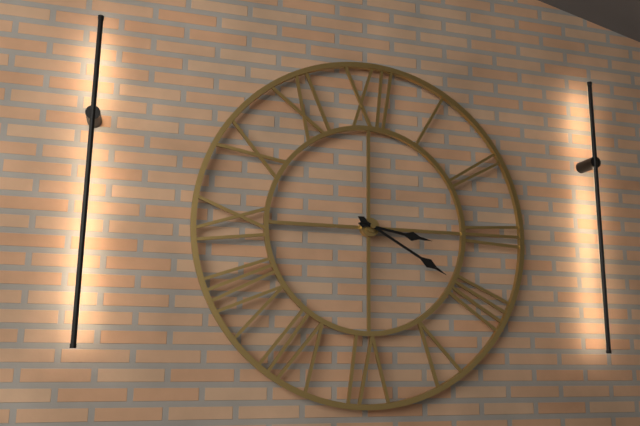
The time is {"hour": 3, "minute": 20}
